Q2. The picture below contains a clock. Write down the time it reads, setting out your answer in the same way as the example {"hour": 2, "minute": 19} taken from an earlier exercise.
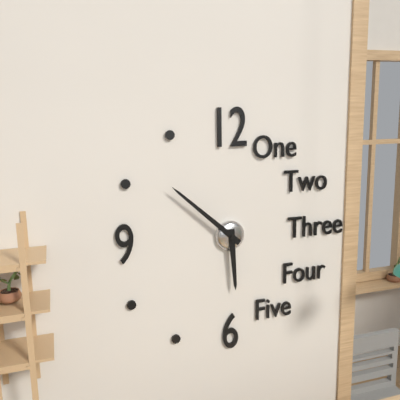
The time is {"hour": 5, "minute": 52}
